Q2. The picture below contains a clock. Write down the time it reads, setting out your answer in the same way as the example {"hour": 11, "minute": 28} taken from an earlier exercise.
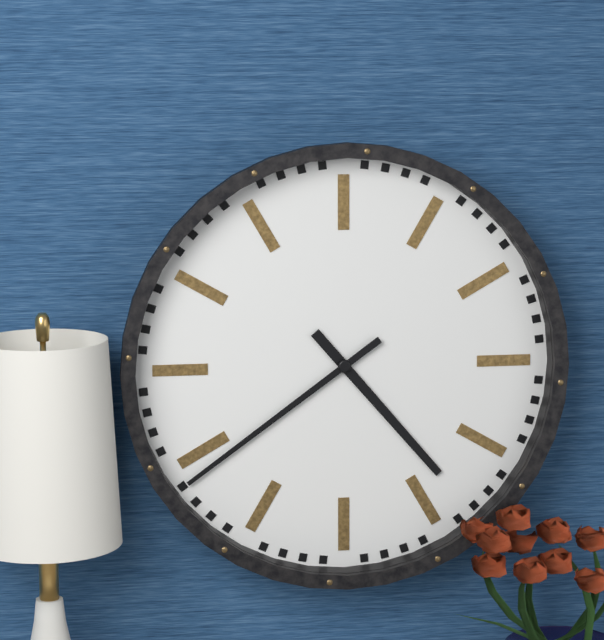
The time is {"hour": 4, "minute": 39}
